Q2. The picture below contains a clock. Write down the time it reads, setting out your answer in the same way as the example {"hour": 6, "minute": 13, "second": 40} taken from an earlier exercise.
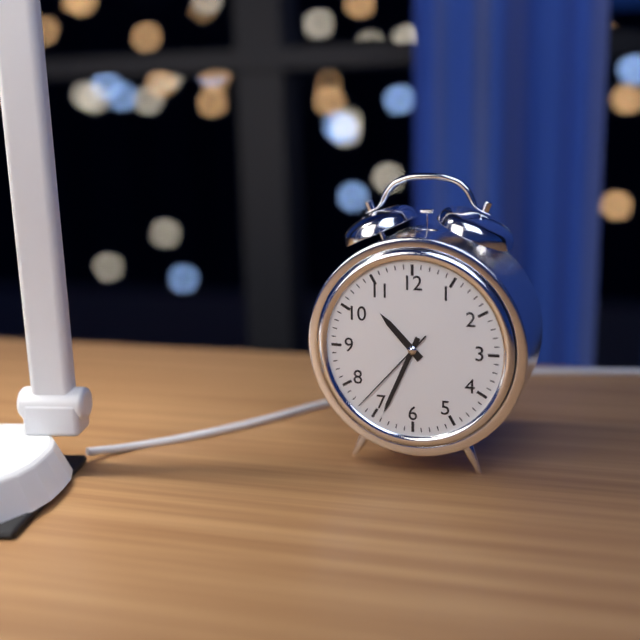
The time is {"hour": 10, "minute": 34, "second": 37}
